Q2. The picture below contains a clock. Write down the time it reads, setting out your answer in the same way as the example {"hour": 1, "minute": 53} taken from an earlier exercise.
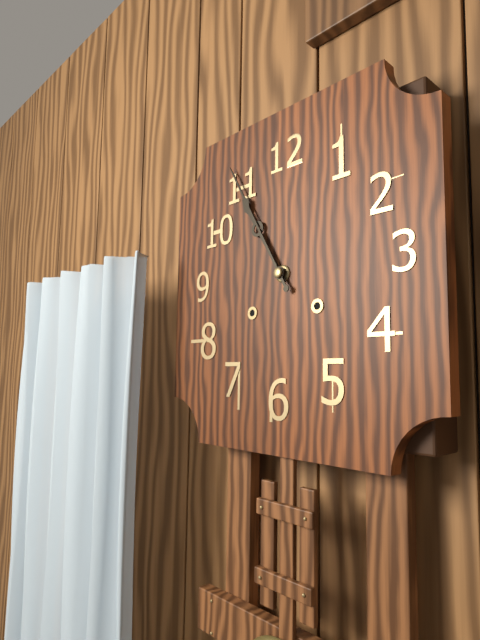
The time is {"hour": 10, "minute": 55}
